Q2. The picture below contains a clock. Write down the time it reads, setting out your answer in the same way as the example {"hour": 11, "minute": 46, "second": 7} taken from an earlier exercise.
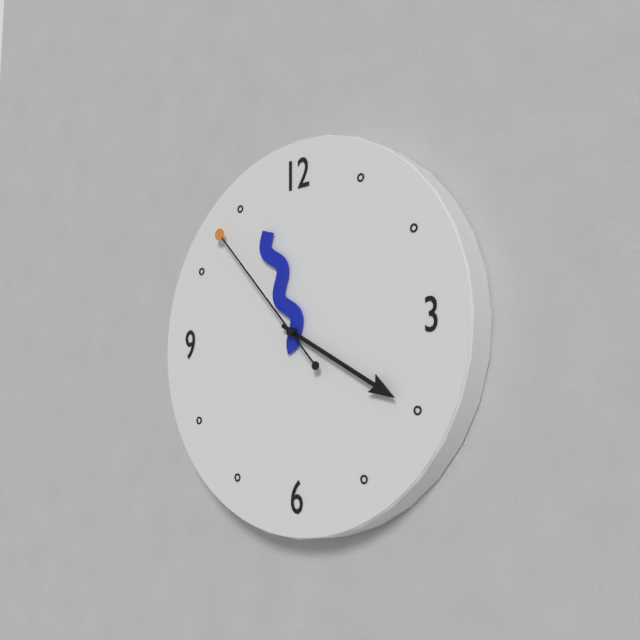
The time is {"hour": 11, "minute": 20, "second": 53}
